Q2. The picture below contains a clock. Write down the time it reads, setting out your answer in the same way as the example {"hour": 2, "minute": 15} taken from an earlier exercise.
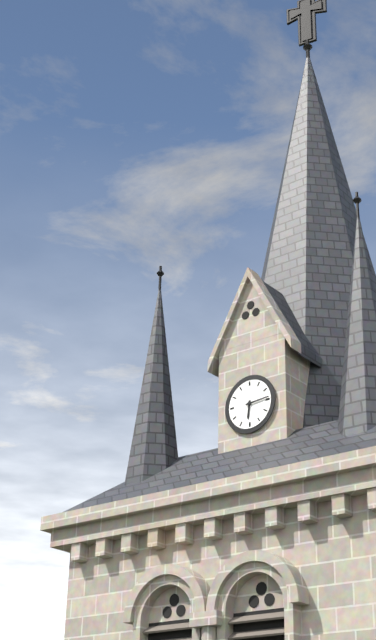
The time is {"hour": 6, "minute": 14}
